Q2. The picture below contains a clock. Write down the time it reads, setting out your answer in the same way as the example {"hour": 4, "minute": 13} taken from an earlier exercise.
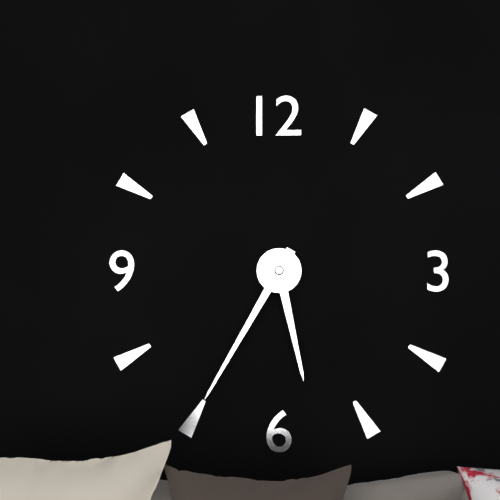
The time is {"hour": 5, "minute": 35}
